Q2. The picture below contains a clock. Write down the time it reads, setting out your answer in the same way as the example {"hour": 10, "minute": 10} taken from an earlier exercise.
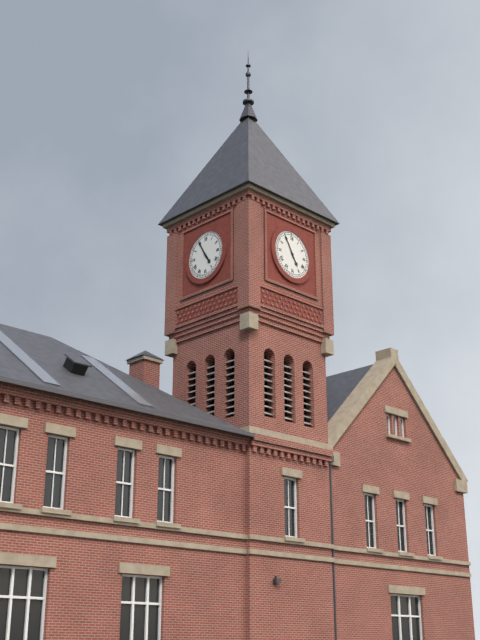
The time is {"hour": 4, "minute": 55}
